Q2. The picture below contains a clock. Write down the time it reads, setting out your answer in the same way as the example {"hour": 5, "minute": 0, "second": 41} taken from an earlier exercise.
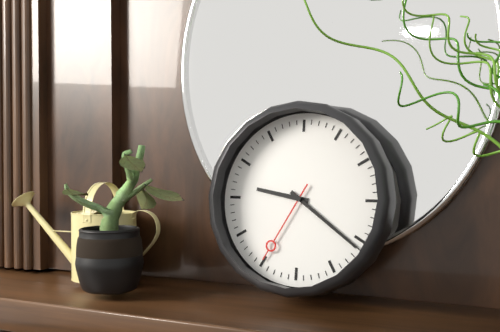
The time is {"hour": 9, "minute": 21, "second": 35}
